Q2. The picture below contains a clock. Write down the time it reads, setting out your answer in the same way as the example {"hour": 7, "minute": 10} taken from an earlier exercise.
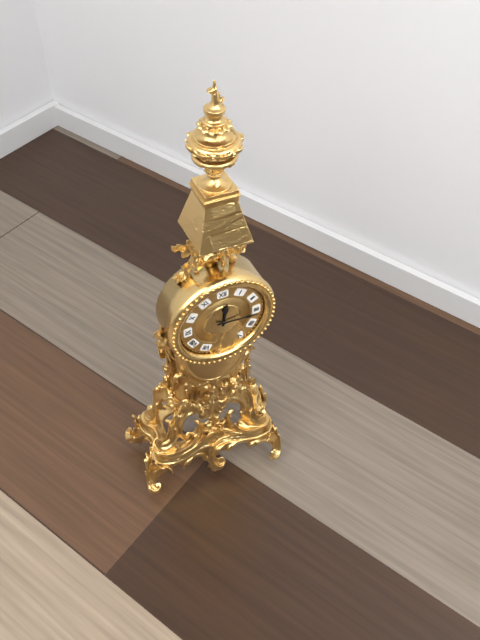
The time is {"hour": 12, "minute": 16}
